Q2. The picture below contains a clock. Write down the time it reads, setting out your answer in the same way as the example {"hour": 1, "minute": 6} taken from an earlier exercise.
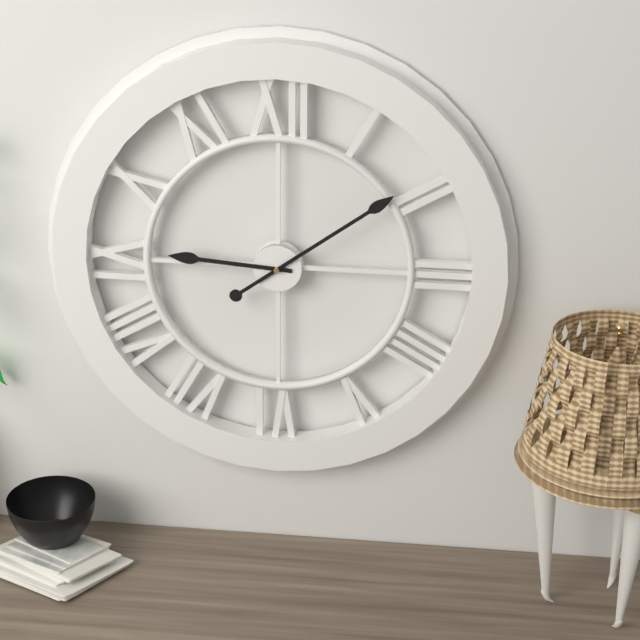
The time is {"hour": 9, "minute": 9}
